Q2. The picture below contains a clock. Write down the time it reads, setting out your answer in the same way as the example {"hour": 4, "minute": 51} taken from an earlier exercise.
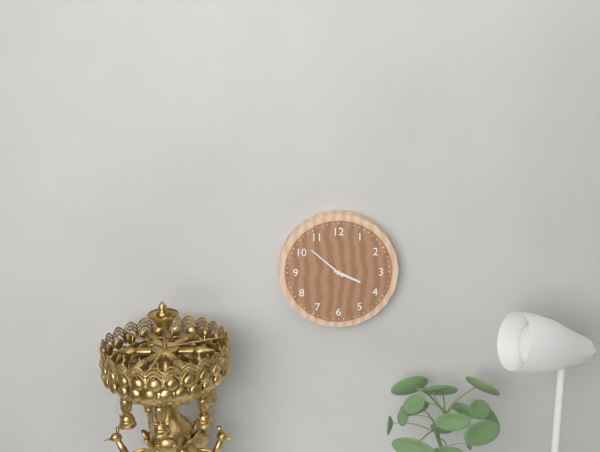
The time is {"hour": 3, "minute": 52}
